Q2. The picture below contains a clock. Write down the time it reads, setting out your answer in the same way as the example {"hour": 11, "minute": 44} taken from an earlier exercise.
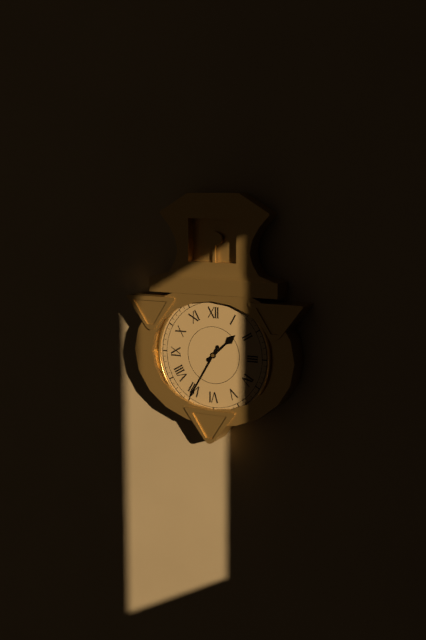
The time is {"hour": 1, "minute": 35}
